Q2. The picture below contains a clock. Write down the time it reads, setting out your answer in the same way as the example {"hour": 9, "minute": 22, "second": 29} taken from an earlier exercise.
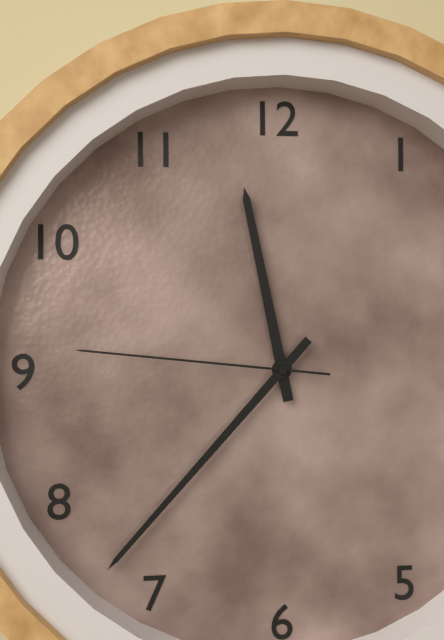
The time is {"hour": 11, "minute": 37, "second": 46}
